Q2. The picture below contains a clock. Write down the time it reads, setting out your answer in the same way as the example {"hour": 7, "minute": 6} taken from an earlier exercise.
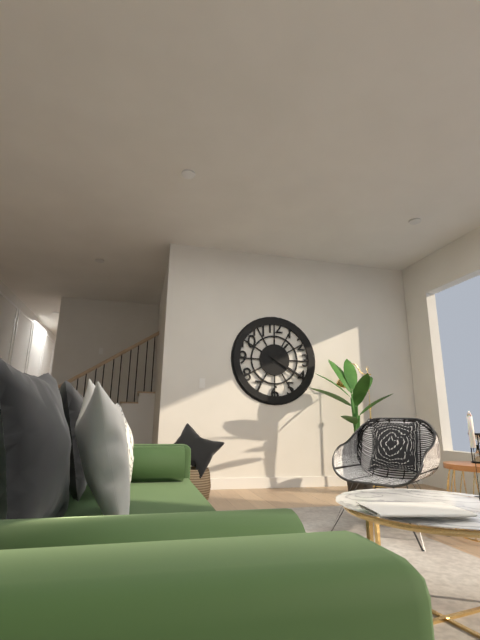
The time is {"hour": 1, "minute": 20}
